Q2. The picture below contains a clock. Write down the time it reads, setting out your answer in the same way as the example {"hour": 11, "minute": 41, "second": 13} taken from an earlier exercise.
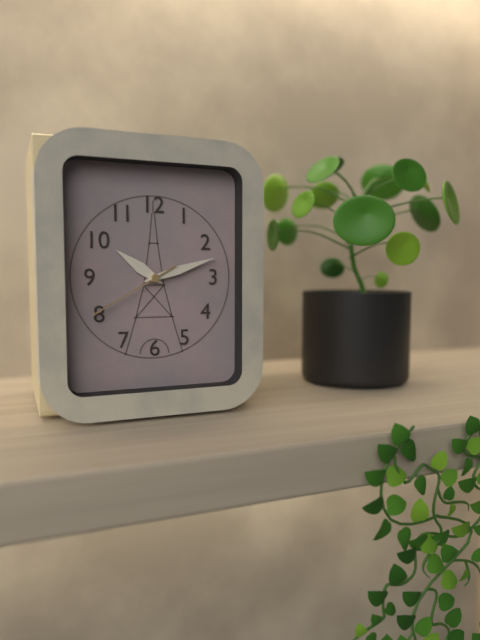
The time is {"hour": 10, "minute": 12, "second": 40}
